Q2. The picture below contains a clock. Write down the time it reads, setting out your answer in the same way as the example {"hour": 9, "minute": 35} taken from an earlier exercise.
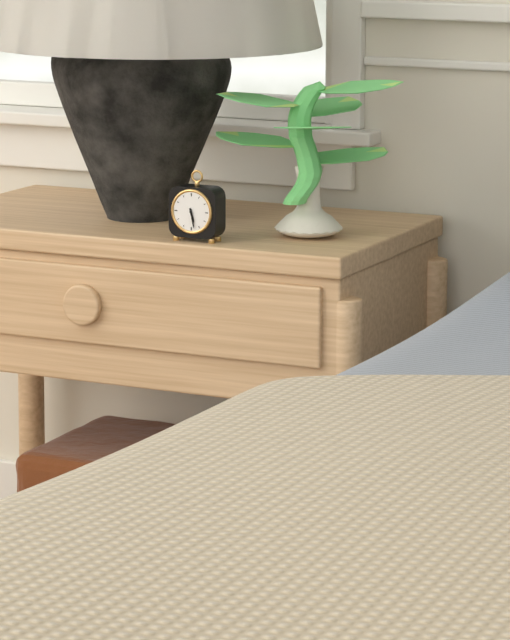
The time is {"hour": 5, "minute": 28}
